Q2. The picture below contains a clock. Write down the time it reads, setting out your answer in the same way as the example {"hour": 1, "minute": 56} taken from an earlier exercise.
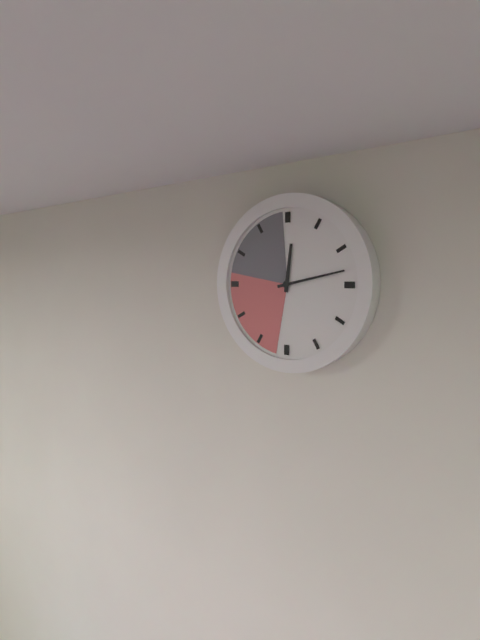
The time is {"hour": 12, "minute": 13}
